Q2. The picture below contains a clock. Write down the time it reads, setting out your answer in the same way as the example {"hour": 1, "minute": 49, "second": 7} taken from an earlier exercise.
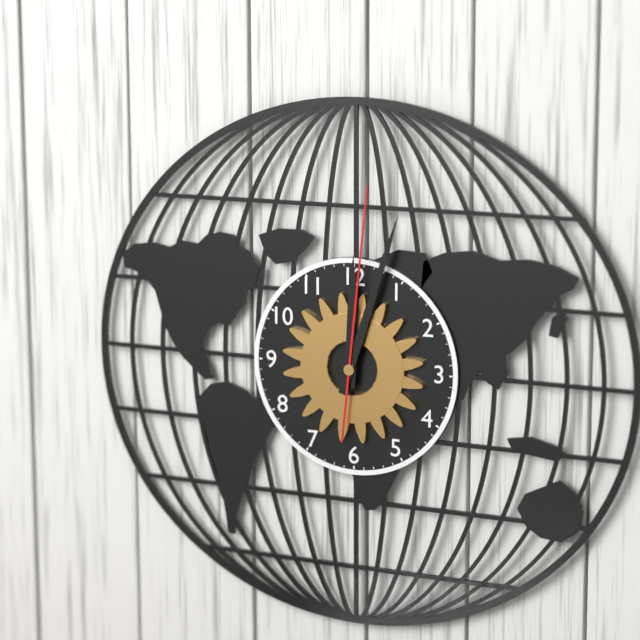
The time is {"hour": 12, "minute": 3, "second": 1}
